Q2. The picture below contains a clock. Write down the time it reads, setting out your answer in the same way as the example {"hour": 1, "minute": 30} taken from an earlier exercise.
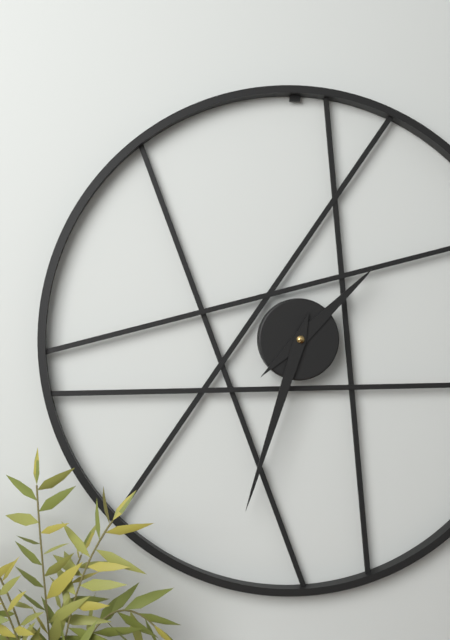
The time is {"hour": 1, "minute": 33}
